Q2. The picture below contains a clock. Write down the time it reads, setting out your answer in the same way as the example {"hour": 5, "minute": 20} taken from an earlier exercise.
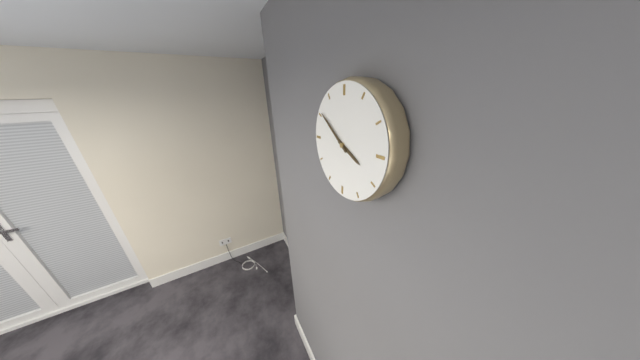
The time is {"hour": 3, "minute": 51}
